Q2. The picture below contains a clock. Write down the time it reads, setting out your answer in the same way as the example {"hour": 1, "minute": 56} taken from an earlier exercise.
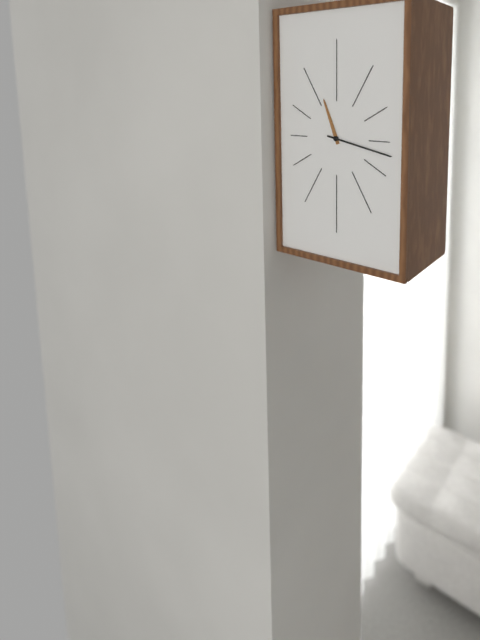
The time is {"hour": 11, "minute": 17}
